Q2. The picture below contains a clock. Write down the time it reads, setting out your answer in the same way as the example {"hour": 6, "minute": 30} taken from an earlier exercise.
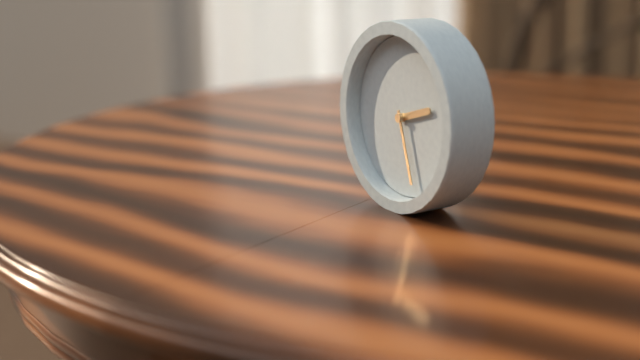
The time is {"hour": 2, "minute": 27}
